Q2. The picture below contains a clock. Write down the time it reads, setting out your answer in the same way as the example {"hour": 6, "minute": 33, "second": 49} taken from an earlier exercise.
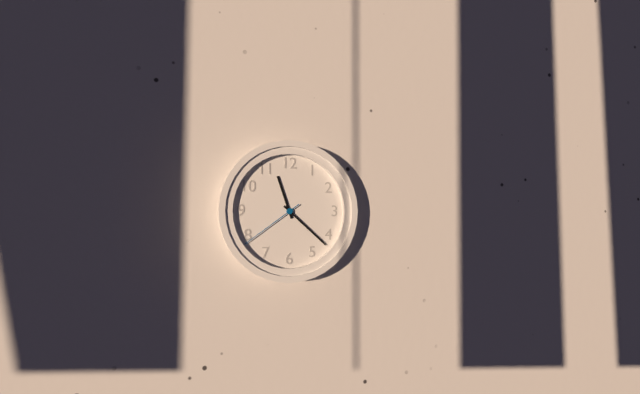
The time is {"hour": 11, "minute": 22, "second": 39}
